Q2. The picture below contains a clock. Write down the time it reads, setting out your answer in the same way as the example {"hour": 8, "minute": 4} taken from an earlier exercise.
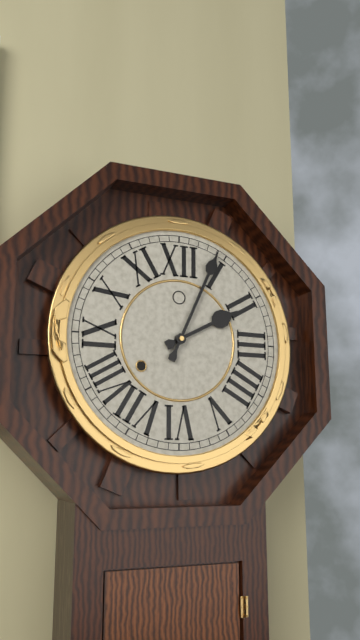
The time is {"hour": 2, "minute": 4}
